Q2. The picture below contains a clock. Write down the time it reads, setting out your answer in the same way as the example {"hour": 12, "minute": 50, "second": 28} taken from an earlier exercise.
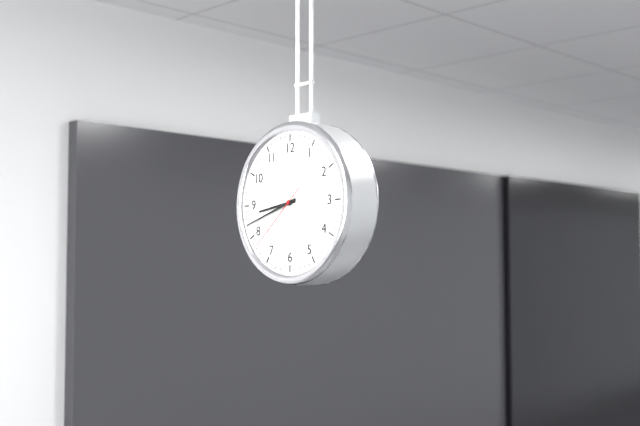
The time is {"hour": 8, "minute": 42, "second": 38}
